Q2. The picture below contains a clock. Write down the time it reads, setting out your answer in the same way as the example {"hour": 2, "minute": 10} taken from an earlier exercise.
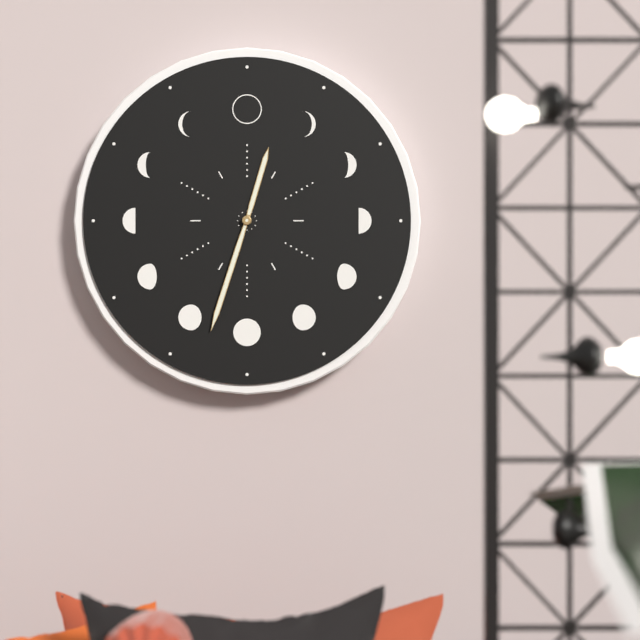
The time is {"hour": 12, "minute": 33}
